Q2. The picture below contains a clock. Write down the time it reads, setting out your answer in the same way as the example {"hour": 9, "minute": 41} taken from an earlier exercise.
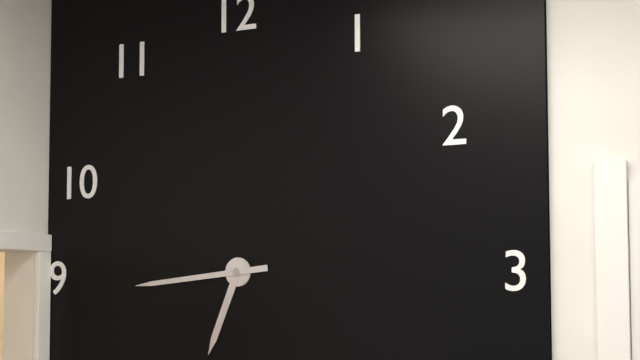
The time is {"hour": 6, "minute": 44}
